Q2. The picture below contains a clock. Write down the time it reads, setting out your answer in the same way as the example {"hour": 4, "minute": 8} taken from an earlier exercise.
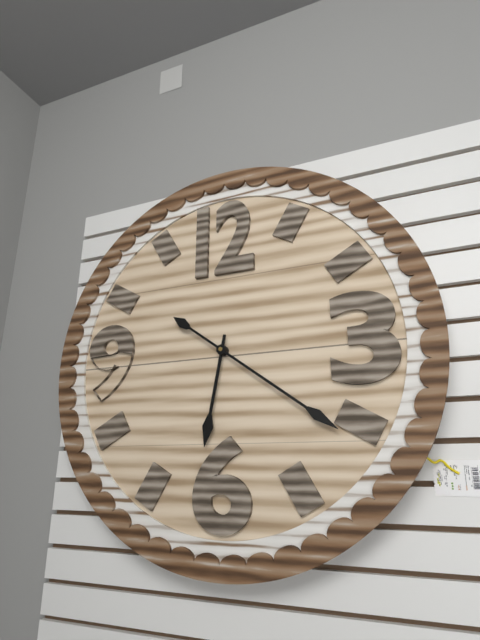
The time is {"hour": 6, "minute": 21}
